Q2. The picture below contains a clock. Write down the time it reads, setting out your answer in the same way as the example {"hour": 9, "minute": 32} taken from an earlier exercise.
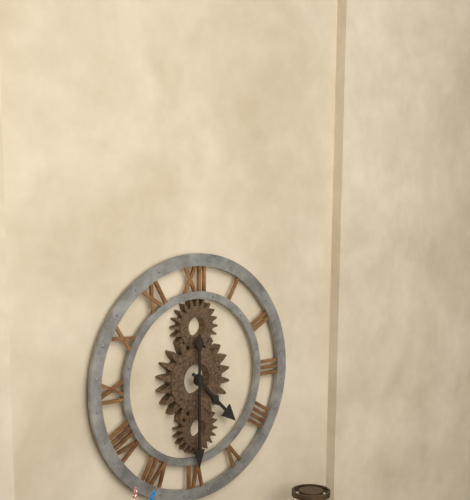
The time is {"hour": 4, "minute": 30}
